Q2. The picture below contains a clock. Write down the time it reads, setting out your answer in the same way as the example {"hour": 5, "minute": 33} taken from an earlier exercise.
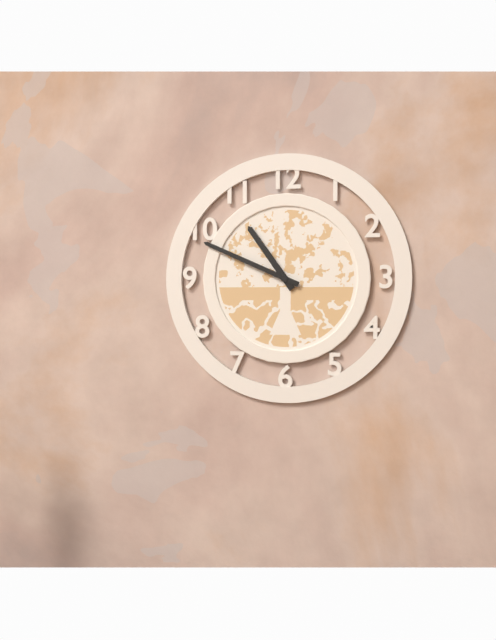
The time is {"hour": 10, "minute": 49}
